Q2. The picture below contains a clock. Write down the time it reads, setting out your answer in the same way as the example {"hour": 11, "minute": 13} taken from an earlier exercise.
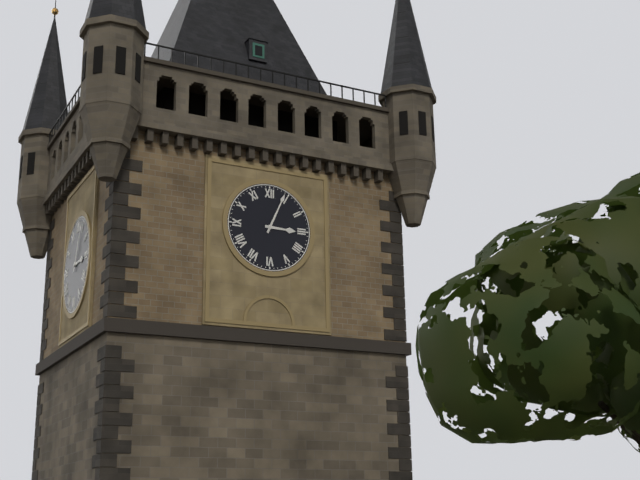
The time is {"hour": 3, "minute": 4}
